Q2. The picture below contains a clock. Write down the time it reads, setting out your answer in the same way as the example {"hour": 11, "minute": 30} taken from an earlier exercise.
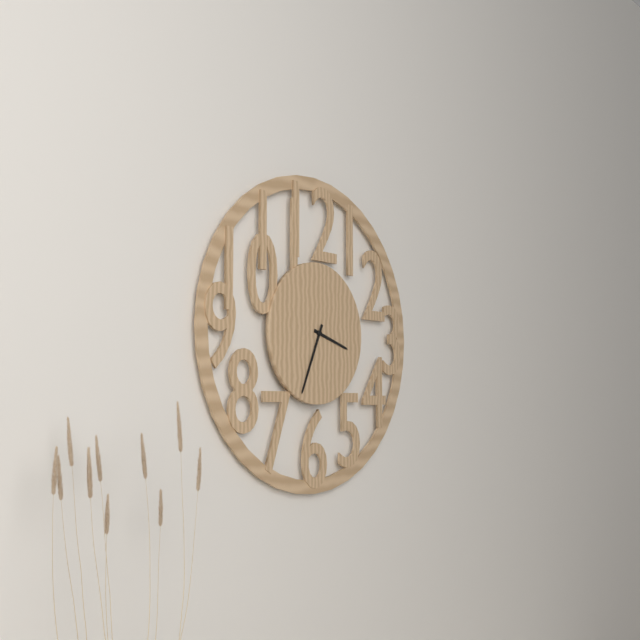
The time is {"hour": 3, "minute": 34}
